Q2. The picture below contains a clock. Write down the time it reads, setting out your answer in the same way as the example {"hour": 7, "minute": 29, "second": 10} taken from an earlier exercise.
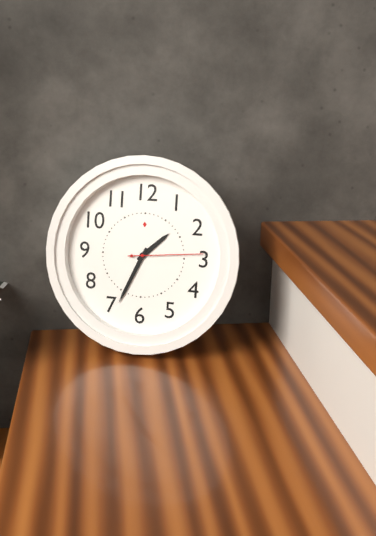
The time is {"hour": 1, "minute": 34, "second": 14}
